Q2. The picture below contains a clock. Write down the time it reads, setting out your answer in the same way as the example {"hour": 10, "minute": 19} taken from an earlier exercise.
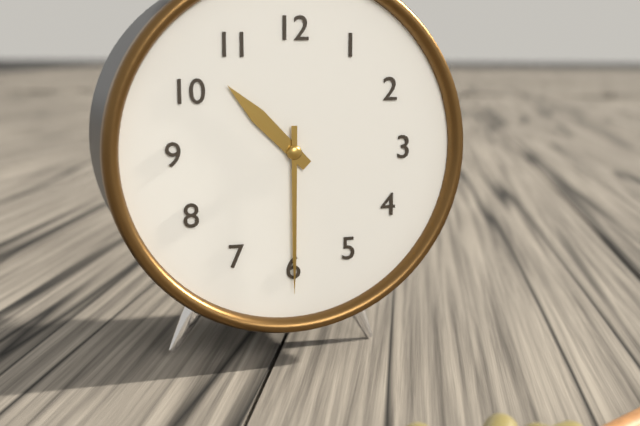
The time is {"hour": 10, "minute": 30}
